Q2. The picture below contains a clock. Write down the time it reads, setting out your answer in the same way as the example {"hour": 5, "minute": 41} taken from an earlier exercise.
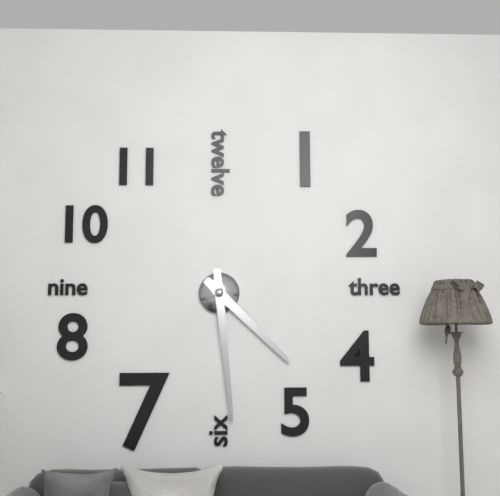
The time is {"hour": 4, "minute": 29}
